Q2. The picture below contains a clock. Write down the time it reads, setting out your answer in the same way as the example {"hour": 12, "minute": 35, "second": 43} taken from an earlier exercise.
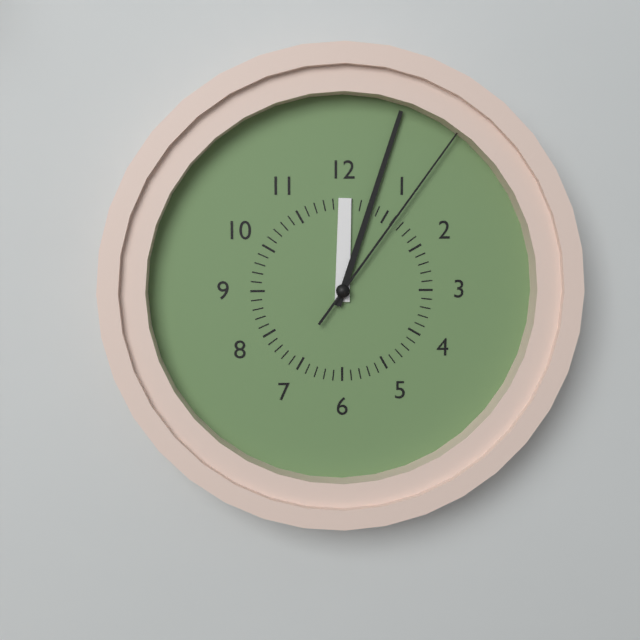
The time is {"hour": 12, "minute": 3, "second": 6}
